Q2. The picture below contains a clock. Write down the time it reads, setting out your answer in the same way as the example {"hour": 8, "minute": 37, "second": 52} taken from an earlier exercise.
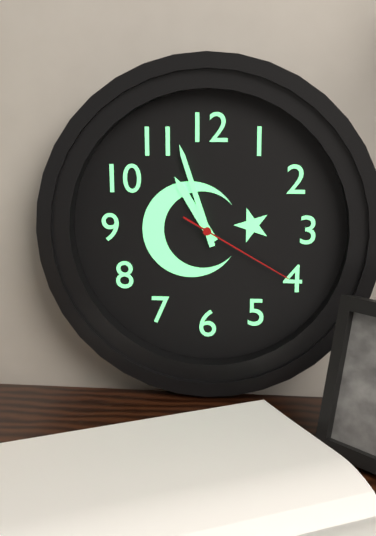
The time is {"hour": 10, "minute": 57, "second": 20}
